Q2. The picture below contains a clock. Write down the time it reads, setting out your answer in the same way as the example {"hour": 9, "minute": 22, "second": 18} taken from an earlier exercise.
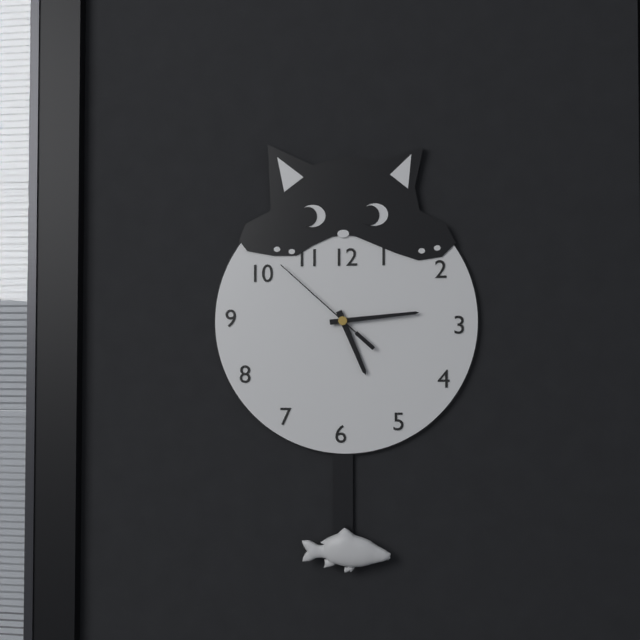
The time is {"hour": 5, "minute": 14, "second": 52}
